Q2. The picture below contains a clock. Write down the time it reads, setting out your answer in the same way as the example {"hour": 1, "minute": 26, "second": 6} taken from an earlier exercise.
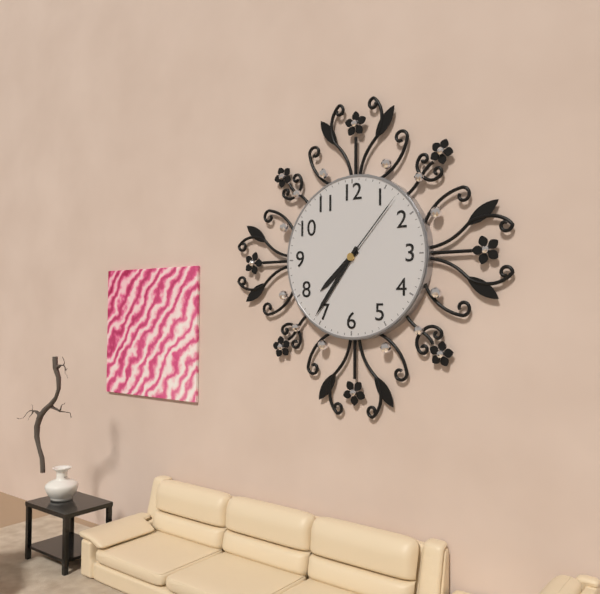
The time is {"hour": 7, "minute": 36, "second": 7}
